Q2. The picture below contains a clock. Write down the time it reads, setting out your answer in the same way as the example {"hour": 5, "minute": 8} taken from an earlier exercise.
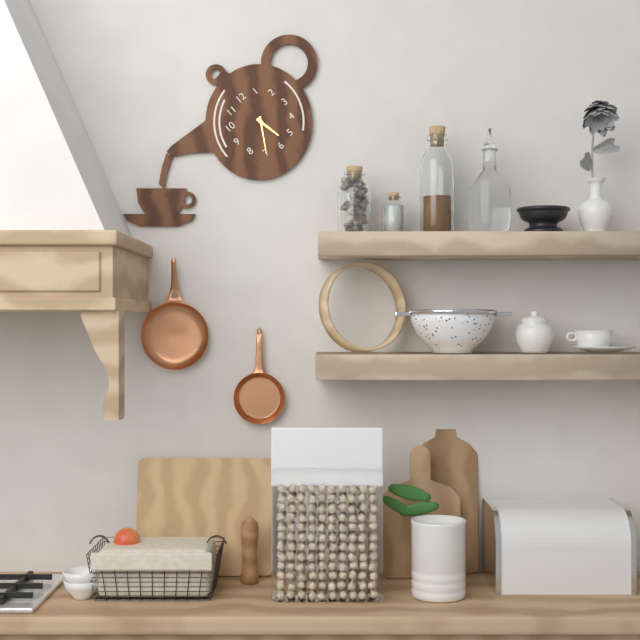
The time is {"hour": 5, "minute": 35}
